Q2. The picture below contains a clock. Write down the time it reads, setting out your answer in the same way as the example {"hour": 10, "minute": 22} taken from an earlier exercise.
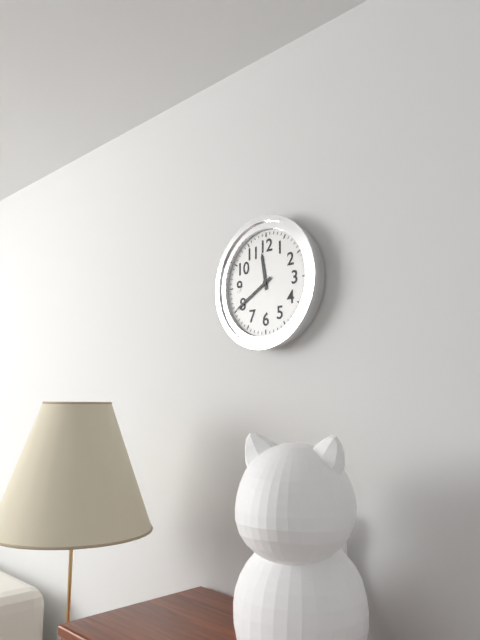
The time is {"hour": 11, "minute": 40}
